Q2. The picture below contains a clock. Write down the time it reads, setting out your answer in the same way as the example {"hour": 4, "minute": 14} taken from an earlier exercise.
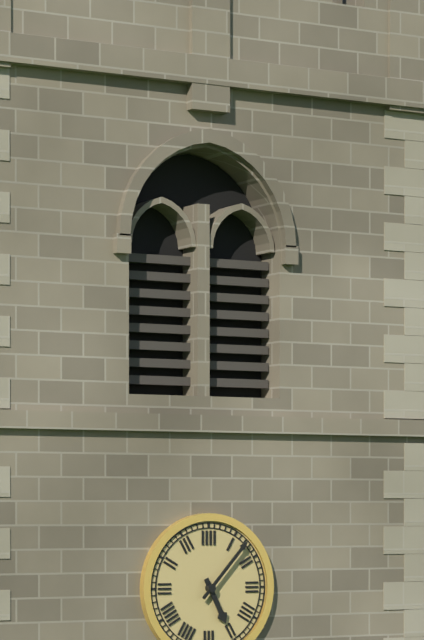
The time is {"hour": 5, "minute": 7}
